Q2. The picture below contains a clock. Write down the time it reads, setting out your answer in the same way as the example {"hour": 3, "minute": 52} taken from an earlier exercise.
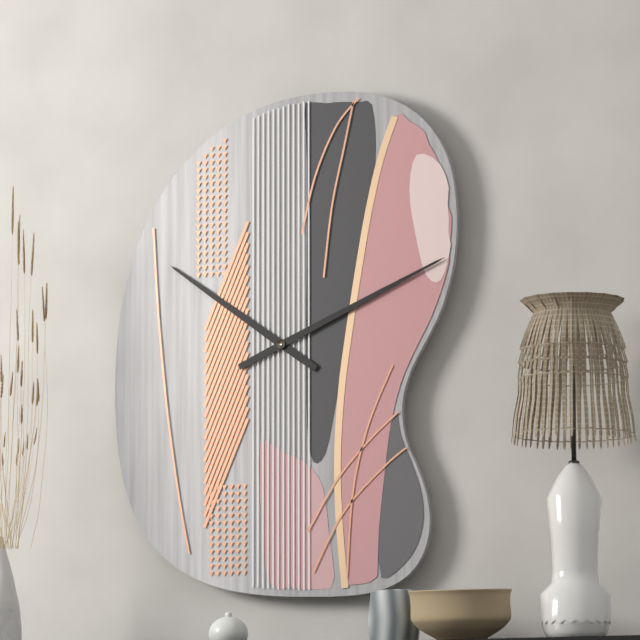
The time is {"hour": 10, "minute": 11}
